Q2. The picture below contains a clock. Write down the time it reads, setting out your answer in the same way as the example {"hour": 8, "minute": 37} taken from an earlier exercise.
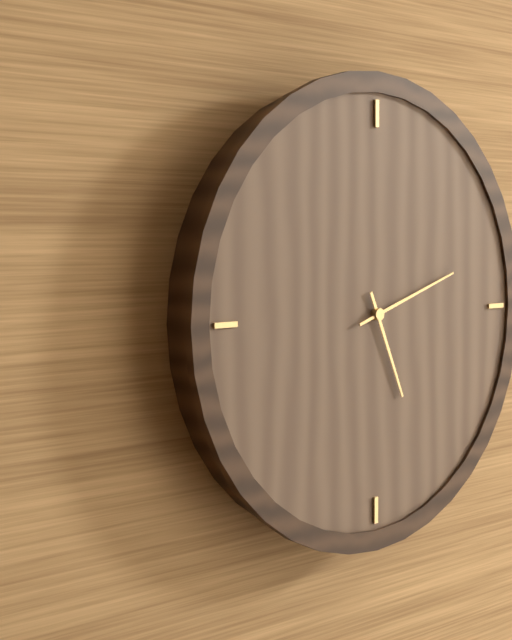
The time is {"hour": 5, "minute": 12}
